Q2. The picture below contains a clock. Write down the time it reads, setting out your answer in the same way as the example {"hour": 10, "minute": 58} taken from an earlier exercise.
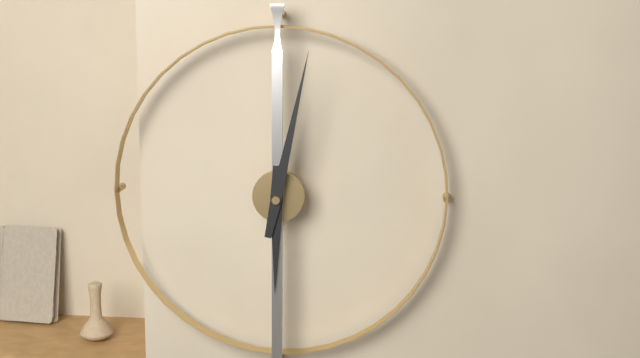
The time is {"hour": 6, "minute": 2}
